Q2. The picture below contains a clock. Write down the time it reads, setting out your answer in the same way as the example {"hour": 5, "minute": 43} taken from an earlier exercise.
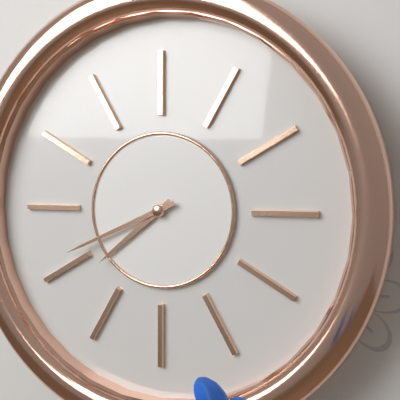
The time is {"hour": 7, "minute": 41}
